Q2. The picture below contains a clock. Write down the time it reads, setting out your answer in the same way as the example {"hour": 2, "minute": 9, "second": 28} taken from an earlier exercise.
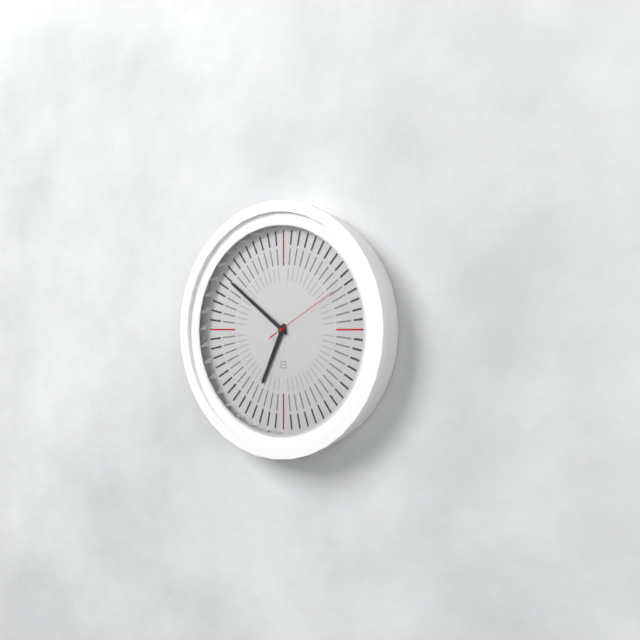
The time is {"hour": 6, "minute": 51, "second": 10}
